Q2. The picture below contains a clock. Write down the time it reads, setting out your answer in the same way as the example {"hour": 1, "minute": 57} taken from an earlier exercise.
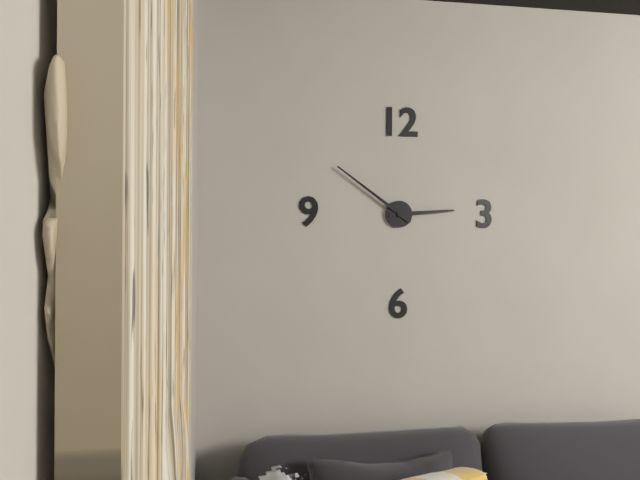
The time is {"hour": 2, "minute": 51}
